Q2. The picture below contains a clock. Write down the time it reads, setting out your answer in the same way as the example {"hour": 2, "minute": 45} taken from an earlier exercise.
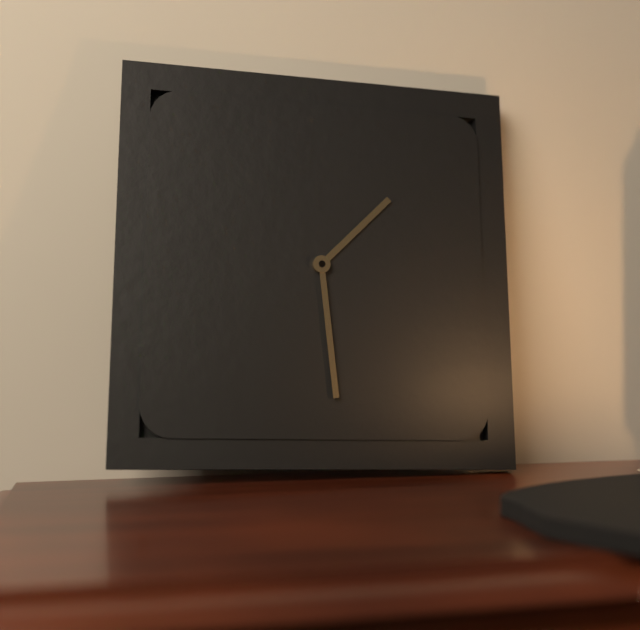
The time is {"hour": 1, "minute": 29}
